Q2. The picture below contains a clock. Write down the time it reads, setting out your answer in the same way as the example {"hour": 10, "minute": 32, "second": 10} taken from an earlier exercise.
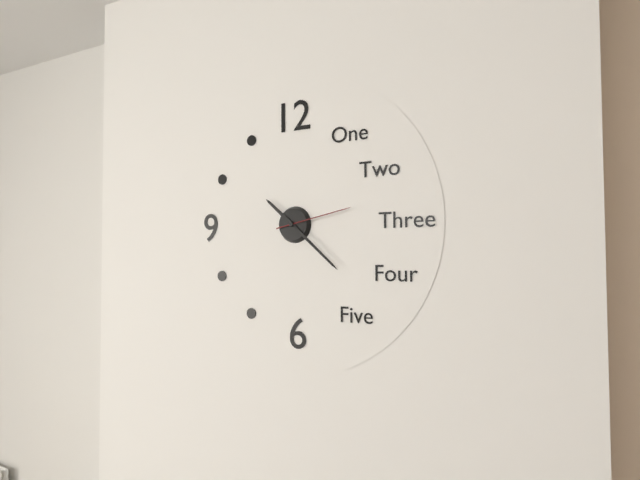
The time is {"hour": 10, "minute": 22, "second": 13}
